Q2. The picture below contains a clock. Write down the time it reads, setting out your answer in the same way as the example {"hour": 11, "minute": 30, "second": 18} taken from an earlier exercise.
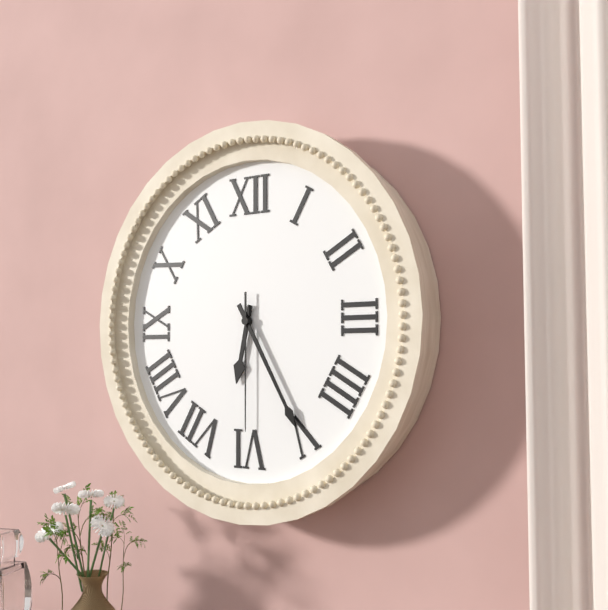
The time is {"hour": 6, "minute": 25, "second": 30}
